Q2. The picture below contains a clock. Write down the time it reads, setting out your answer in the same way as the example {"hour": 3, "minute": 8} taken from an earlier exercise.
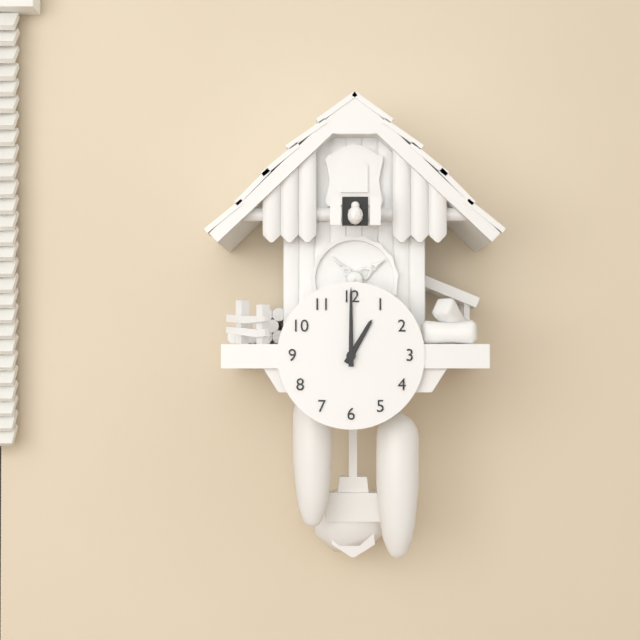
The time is {"hour": 1, "minute": 0}
